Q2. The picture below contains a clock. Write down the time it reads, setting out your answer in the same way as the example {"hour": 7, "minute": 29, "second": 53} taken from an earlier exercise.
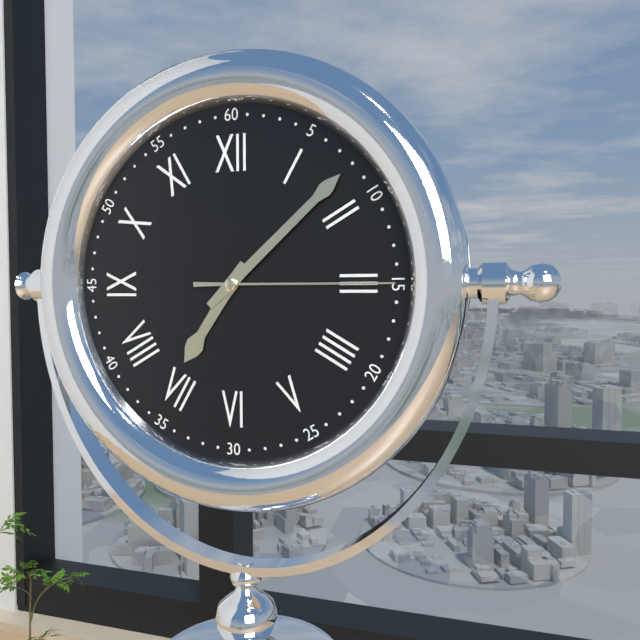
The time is {"hour": 7, "minute": 8, "second": 15}
